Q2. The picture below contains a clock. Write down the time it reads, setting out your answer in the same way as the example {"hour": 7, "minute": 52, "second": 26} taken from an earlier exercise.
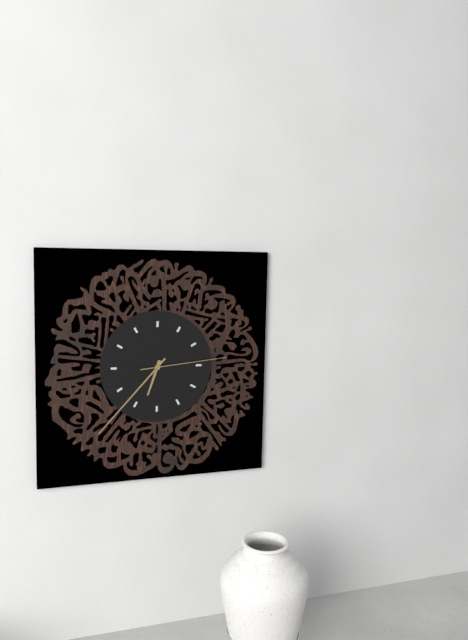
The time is {"hour": 6, "minute": 37, "second": 14}
